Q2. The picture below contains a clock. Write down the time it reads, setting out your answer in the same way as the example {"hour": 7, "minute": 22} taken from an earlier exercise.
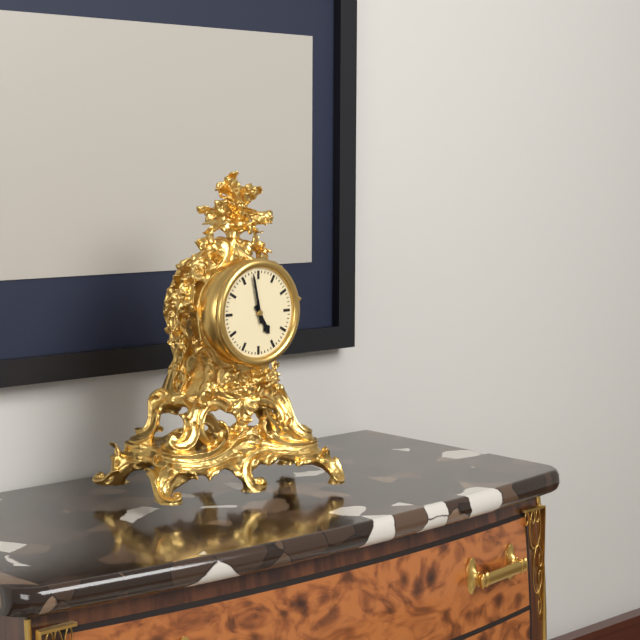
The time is {"hour": 4, "minute": 58}
